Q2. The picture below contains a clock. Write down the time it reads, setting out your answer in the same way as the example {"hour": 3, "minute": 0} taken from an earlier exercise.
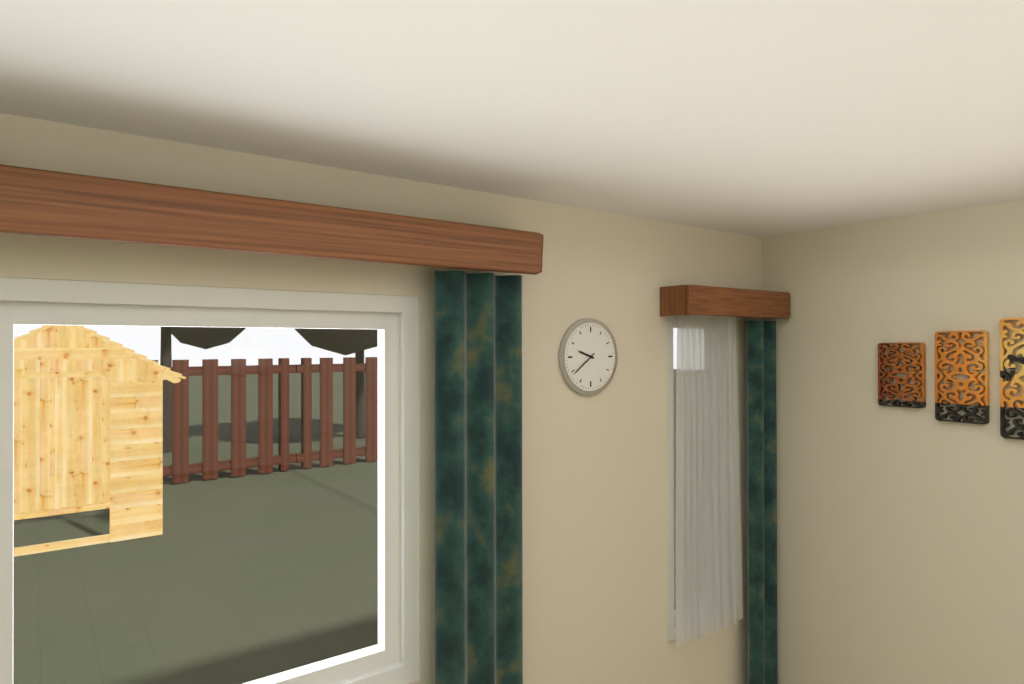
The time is {"hour": 9, "minute": 39}
